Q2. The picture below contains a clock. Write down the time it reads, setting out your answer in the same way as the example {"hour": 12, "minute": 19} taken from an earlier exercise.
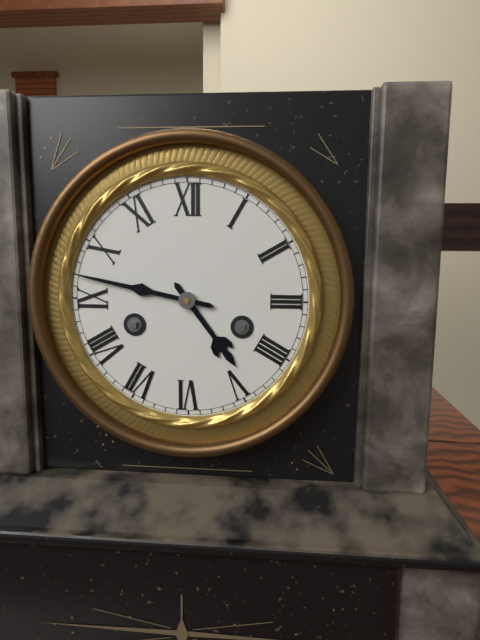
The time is {"hour": 4, "minute": 47}
